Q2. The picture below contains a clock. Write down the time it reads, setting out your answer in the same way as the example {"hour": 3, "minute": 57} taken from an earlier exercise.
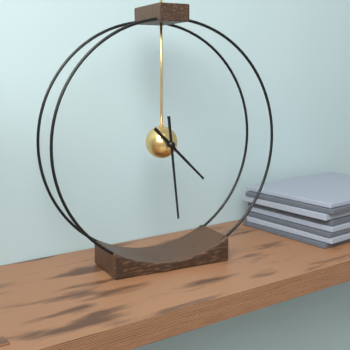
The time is {"hour": 4, "minute": 29}
